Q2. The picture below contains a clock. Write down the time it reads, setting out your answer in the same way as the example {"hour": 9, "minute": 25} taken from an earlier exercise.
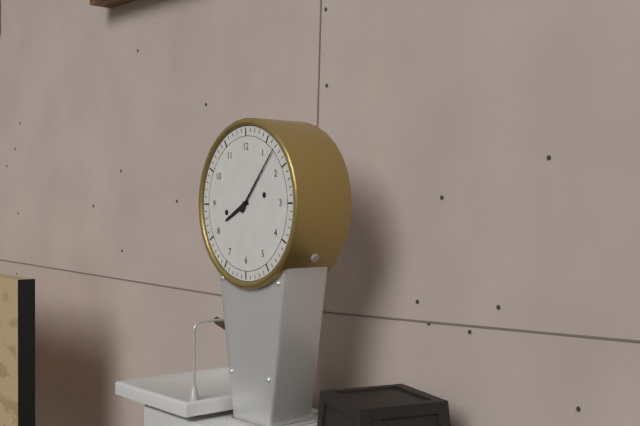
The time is {"hour": 8, "minute": 7}
